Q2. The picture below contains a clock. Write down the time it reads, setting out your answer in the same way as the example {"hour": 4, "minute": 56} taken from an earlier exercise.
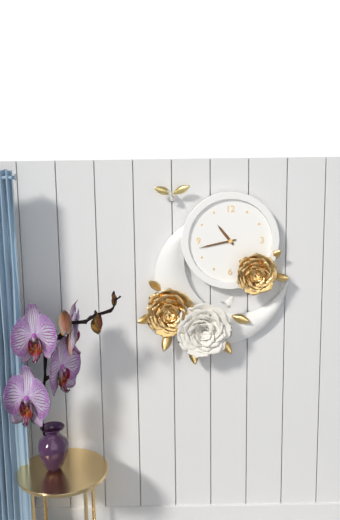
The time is {"hour": 10, "minute": 43}
